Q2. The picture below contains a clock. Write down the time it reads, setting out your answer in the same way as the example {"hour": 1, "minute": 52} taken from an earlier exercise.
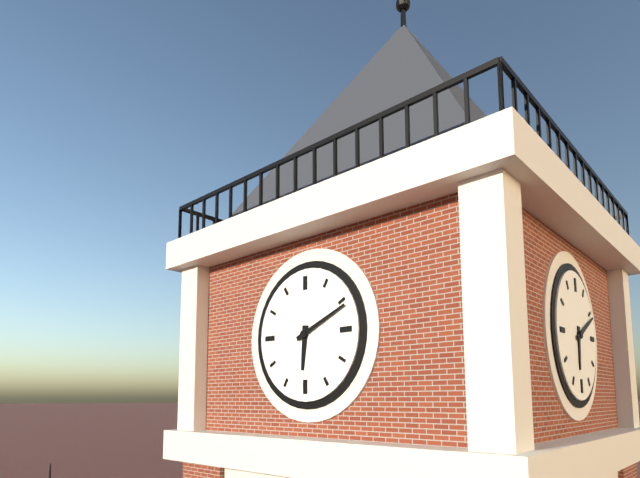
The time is {"hour": 6, "minute": 11}
